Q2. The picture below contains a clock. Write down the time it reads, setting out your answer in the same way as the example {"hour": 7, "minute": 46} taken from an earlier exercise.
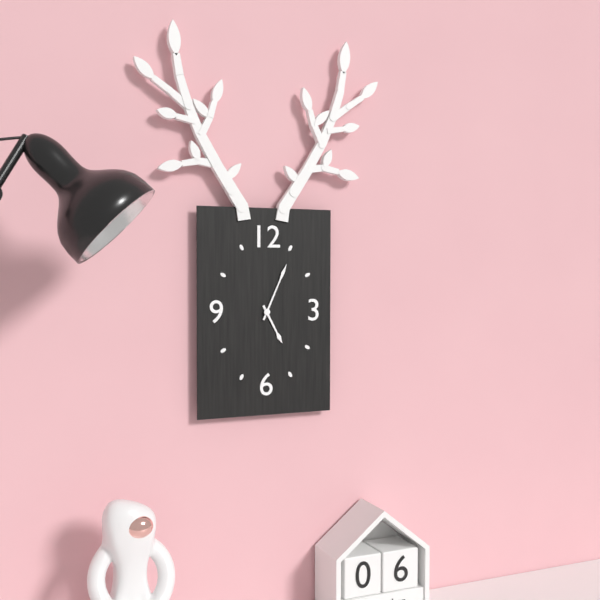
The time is {"hour": 5, "minute": 4}
